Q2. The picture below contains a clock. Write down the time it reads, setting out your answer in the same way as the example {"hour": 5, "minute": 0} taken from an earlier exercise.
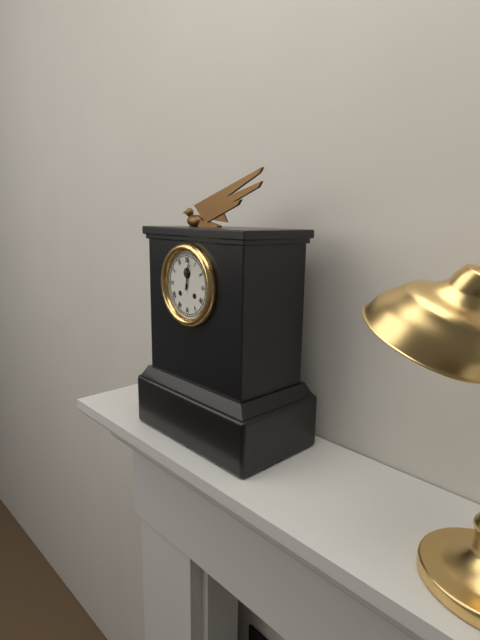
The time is {"hour": 12, "minute": 2}
